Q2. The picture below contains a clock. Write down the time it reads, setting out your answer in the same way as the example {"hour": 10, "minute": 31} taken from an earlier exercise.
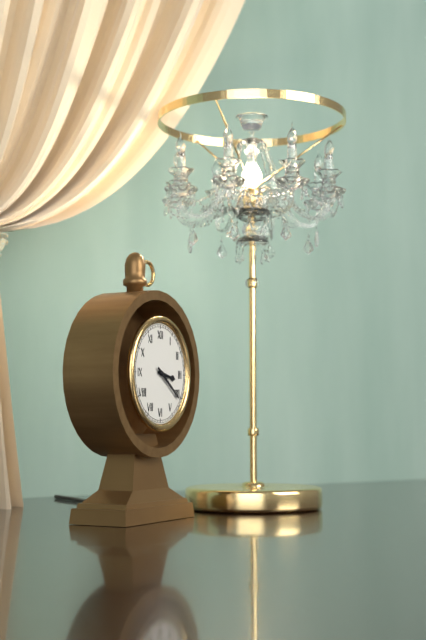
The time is {"hour": 3, "minute": 21}
